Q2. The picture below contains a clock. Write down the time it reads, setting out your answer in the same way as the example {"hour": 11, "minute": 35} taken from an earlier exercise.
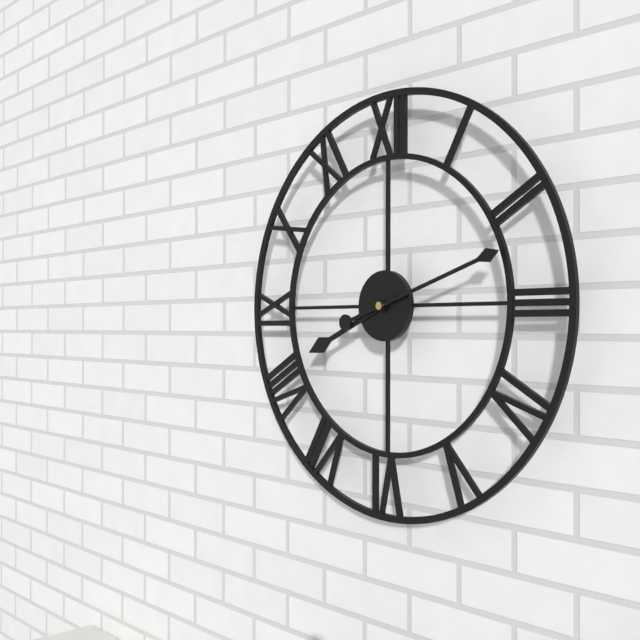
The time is {"hour": 8, "minute": 12}
